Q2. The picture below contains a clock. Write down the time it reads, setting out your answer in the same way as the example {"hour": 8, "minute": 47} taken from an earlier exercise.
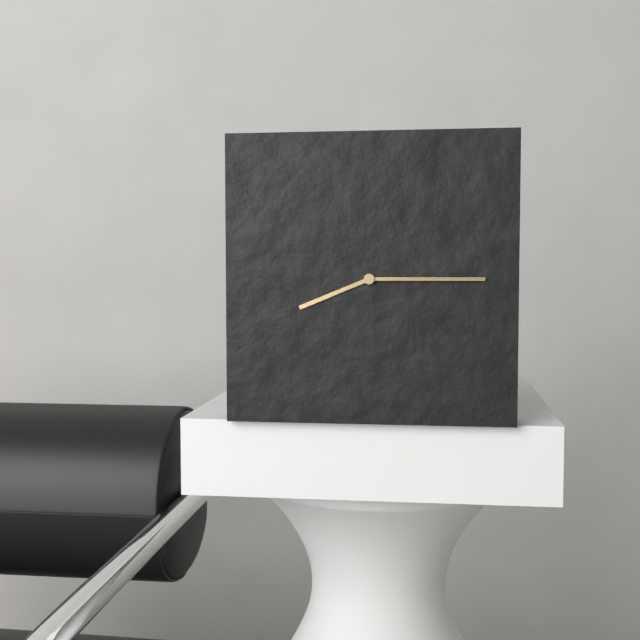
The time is {"hour": 8, "minute": 15}
